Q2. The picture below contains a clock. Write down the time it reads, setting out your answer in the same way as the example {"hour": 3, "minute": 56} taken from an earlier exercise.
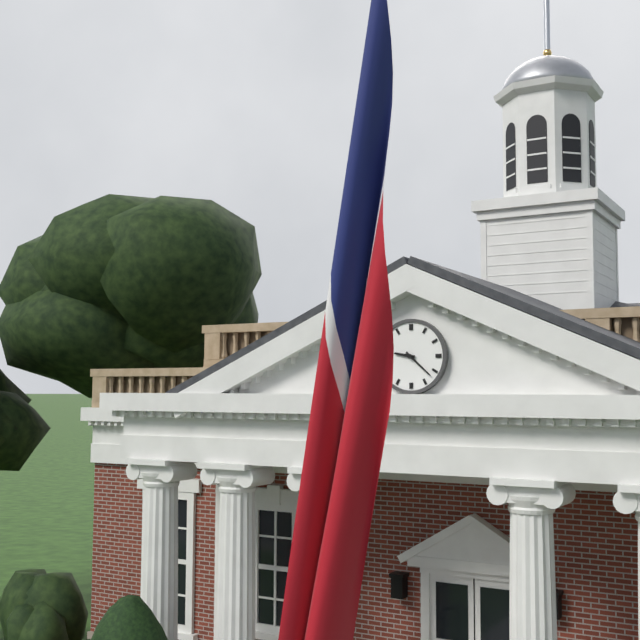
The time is {"hour": 9, "minute": 22}
